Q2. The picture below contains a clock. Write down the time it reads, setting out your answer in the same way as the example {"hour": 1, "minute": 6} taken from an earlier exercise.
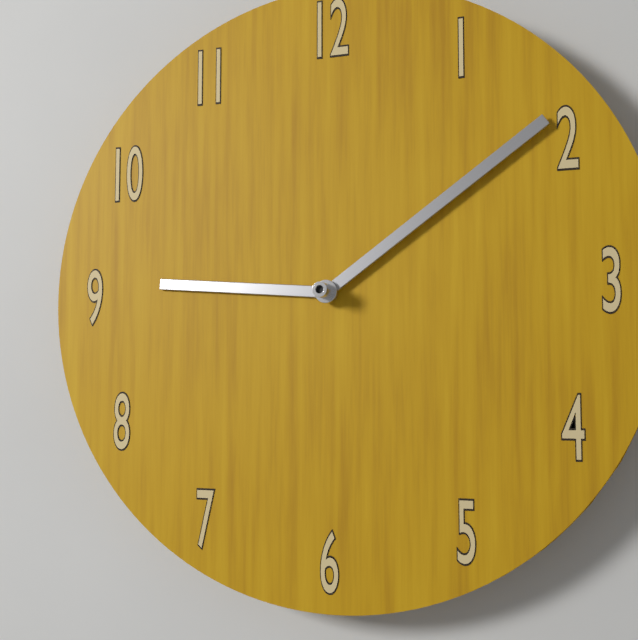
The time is {"hour": 9, "minute": 9}
